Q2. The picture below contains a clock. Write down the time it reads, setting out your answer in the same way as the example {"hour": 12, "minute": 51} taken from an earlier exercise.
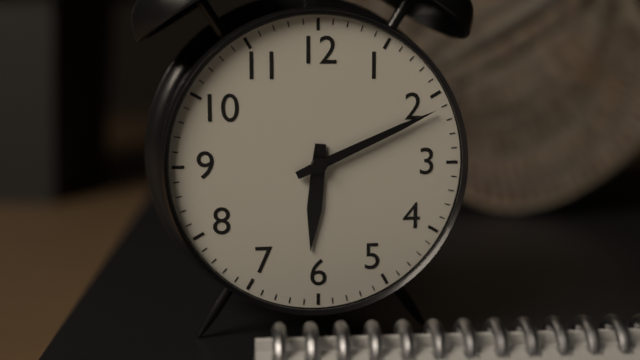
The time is {"hour": 6, "minute": 11}
